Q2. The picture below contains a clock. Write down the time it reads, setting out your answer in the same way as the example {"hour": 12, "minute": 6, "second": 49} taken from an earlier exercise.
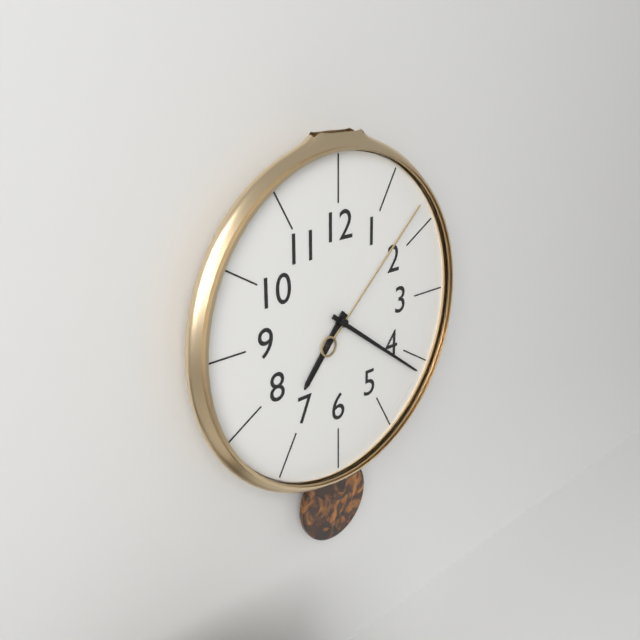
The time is {"hour": 7, "minute": 21, "second": 8}
